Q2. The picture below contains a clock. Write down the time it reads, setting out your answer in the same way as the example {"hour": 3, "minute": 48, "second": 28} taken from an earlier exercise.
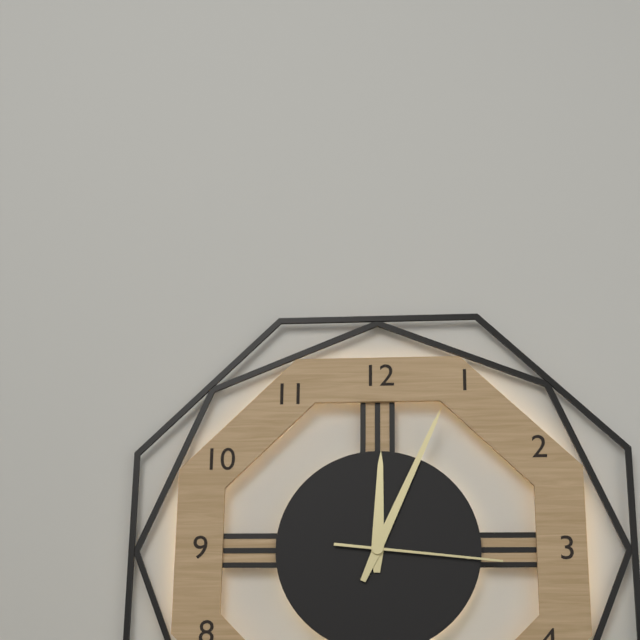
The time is {"hour": 12, "minute": 4, "second": 16}
